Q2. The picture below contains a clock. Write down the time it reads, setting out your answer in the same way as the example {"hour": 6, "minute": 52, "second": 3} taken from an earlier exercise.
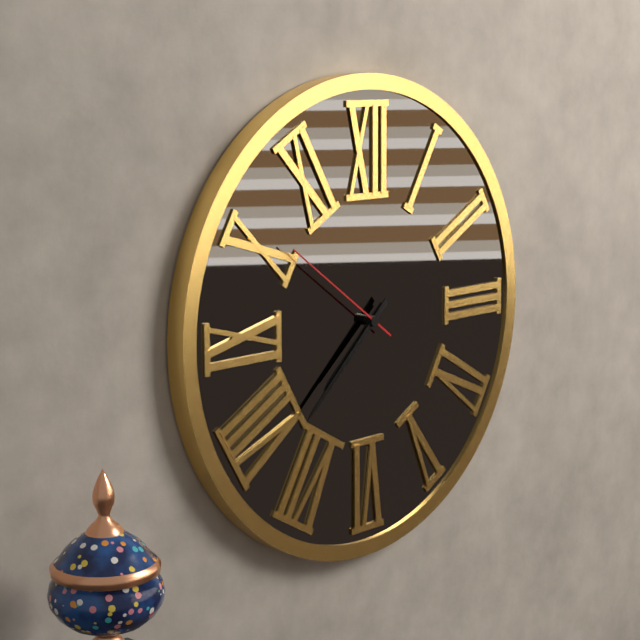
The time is {"hour": 7, "minute": 38, "second": 51}
